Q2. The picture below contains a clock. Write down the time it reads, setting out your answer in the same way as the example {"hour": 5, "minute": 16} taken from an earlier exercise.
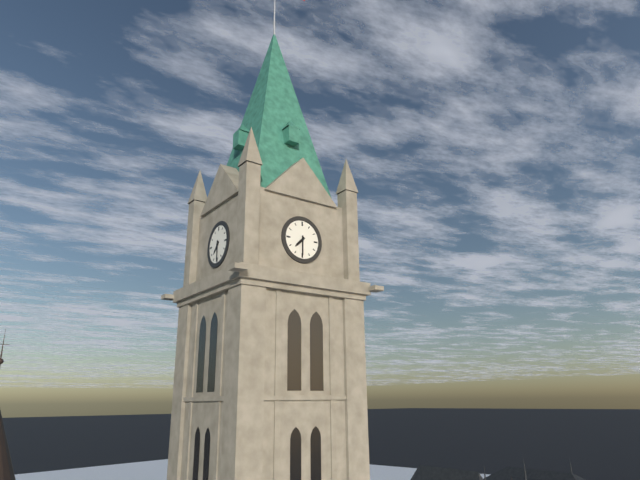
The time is {"hour": 7, "minute": 30}
